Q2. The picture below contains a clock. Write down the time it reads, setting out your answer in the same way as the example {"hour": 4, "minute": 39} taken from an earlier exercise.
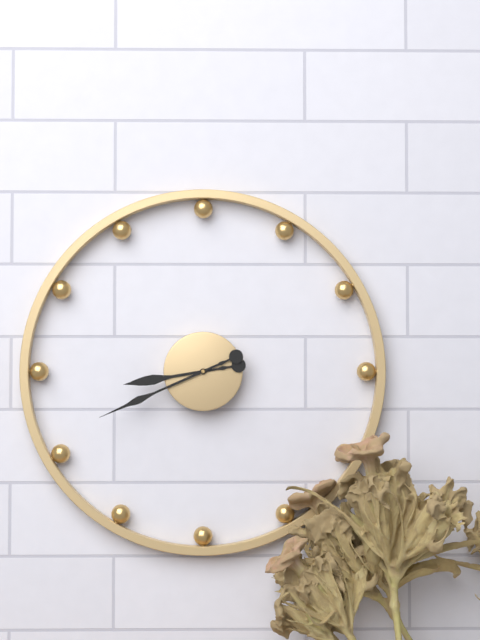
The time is {"hour": 8, "minute": 41}
